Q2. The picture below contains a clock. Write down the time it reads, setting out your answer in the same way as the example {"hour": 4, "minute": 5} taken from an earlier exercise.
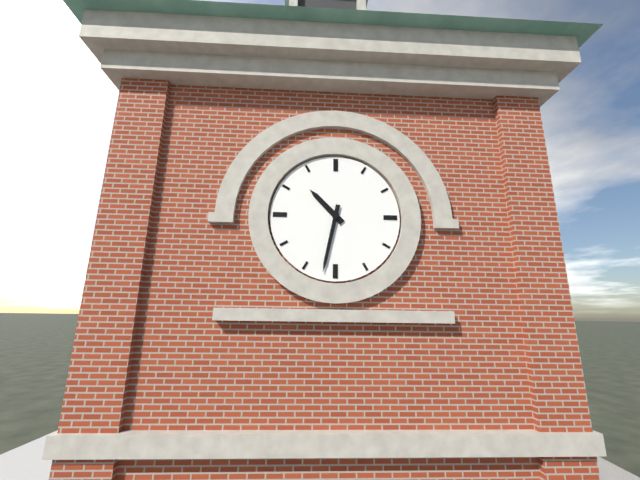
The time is {"hour": 10, "minute": 32}
